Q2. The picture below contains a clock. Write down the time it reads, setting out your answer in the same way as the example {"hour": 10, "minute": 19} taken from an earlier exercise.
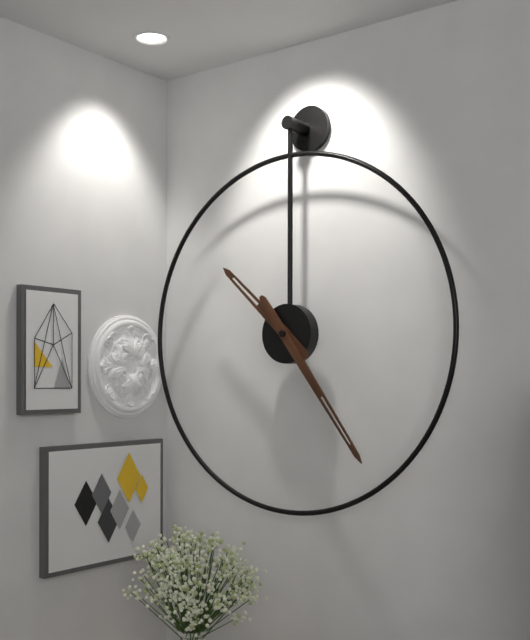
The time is {"hour": 10, "minute": 24}
